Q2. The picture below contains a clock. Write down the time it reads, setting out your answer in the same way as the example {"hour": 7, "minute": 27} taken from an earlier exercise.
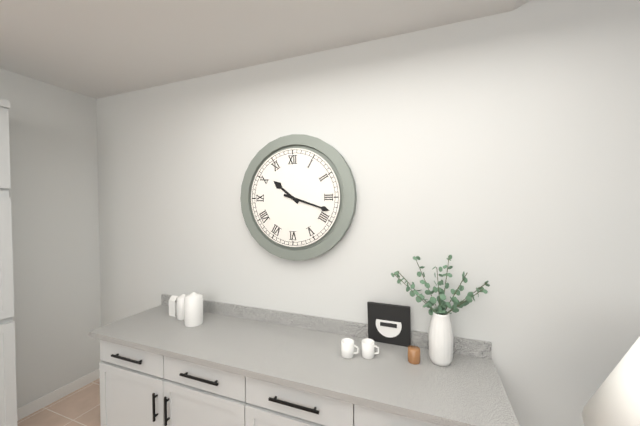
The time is {"hour": 10, "minute": 18}
